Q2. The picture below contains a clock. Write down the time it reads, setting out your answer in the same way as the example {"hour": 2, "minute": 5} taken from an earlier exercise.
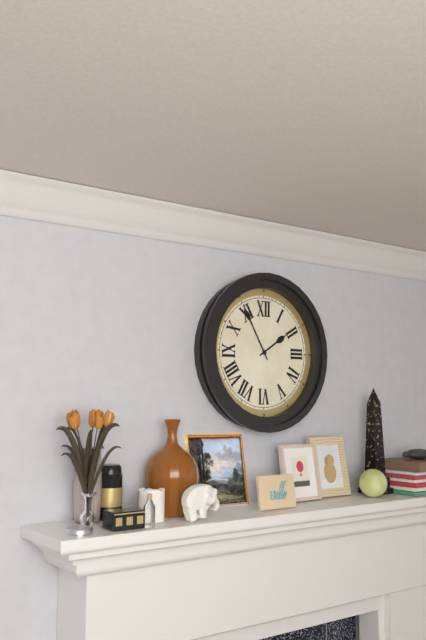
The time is {"hour": 1, "minute": 55}
